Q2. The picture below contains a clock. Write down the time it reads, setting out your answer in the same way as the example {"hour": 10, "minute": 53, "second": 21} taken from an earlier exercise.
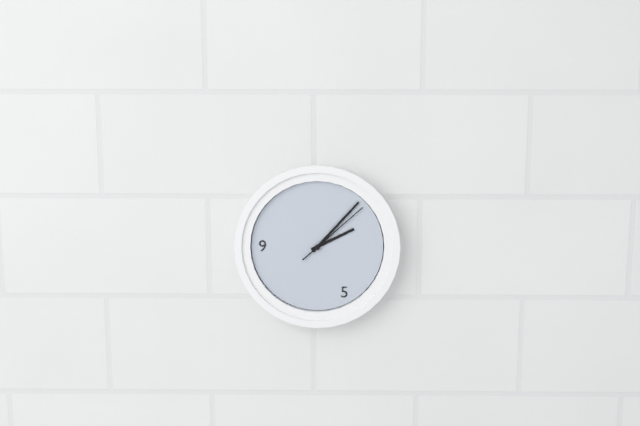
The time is {"hour": 2, "minute": 7, "second": 8}
